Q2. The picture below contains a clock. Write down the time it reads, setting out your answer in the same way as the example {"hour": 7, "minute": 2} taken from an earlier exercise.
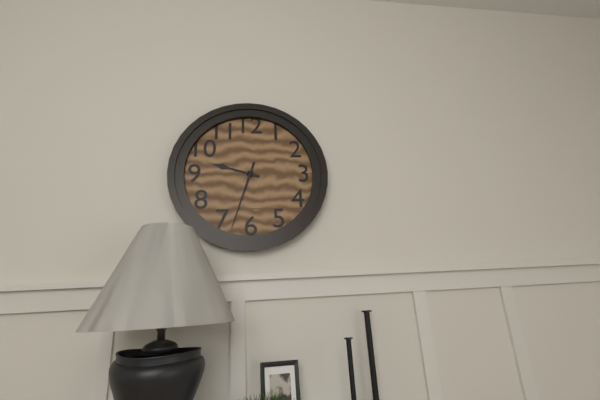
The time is {"hour": 9, "minute": 33}
